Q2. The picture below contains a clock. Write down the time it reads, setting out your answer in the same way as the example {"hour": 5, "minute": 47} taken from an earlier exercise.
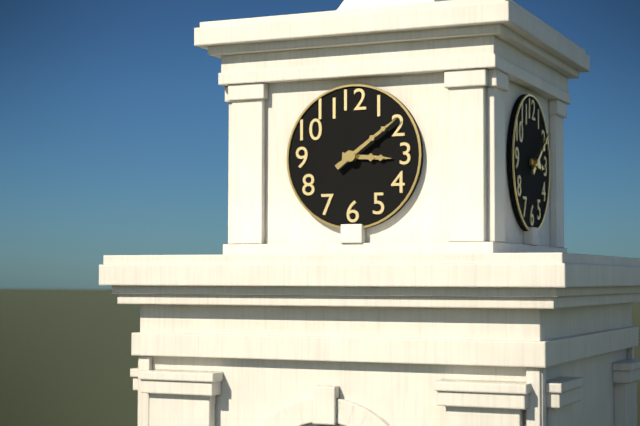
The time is {"hour": 3, "minute": 9}
